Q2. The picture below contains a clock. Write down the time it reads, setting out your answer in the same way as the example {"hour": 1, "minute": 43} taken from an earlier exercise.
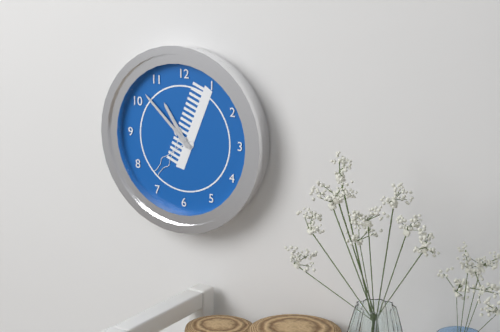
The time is {"hour": 10, "minute": 52}
